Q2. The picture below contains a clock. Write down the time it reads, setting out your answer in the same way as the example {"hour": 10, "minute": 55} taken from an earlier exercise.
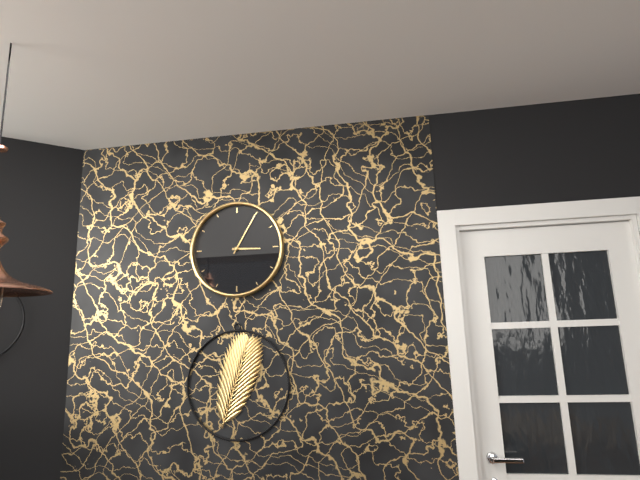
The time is {"hour": 3, "minute": 5}
